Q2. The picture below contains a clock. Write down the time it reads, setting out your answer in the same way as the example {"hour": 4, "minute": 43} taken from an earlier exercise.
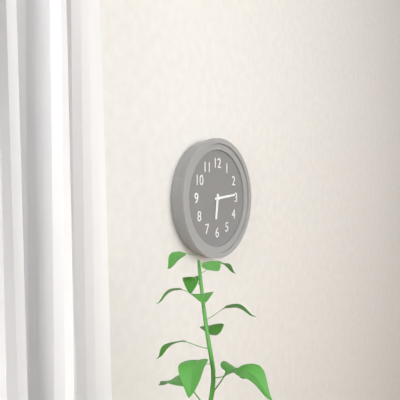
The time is {"hour": 6, "minute": 14}
